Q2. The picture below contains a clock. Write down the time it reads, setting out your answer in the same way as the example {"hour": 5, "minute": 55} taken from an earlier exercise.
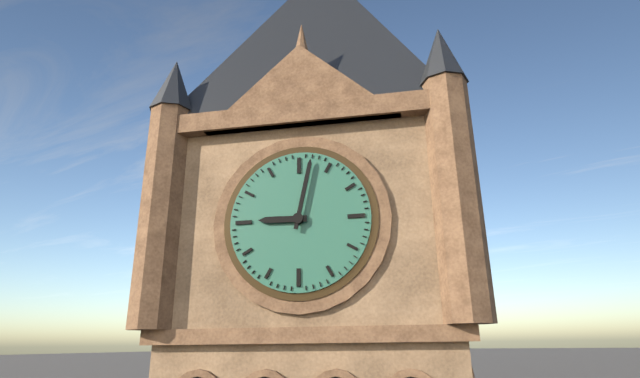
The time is {"hour": 9, "minute": 2}
